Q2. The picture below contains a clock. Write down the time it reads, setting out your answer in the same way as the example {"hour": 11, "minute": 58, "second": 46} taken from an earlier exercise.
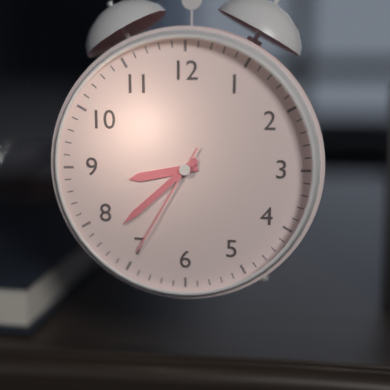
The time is {"hour": 8, "minute": 38, "second": 35}
